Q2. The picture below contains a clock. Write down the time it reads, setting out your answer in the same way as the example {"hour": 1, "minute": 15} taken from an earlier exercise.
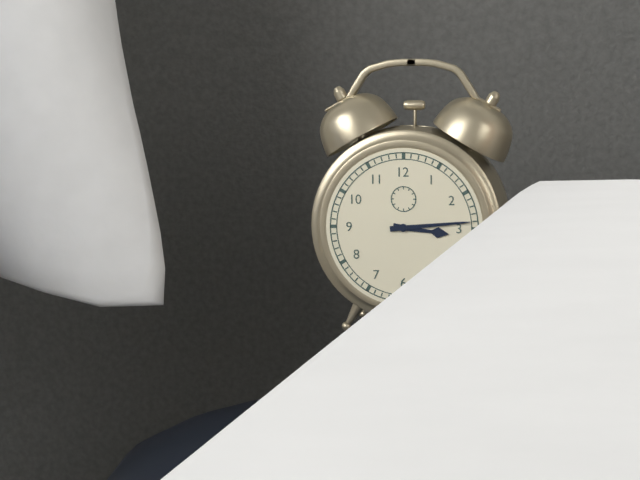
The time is {"hour": 3, "minute": 14}
